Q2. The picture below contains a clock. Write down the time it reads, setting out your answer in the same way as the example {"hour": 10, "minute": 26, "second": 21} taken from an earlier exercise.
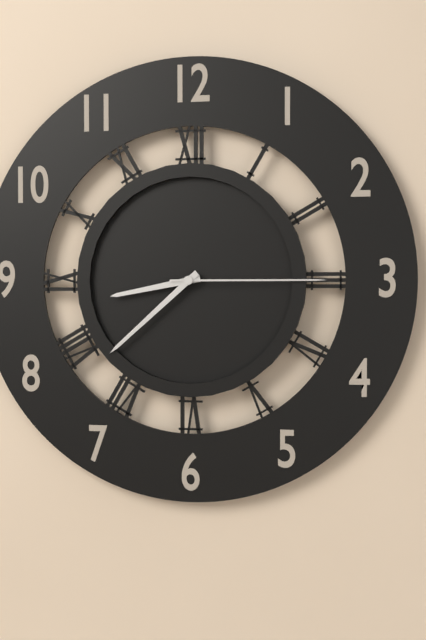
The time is {"hour": 8, "minute": 38, "second": 15}
